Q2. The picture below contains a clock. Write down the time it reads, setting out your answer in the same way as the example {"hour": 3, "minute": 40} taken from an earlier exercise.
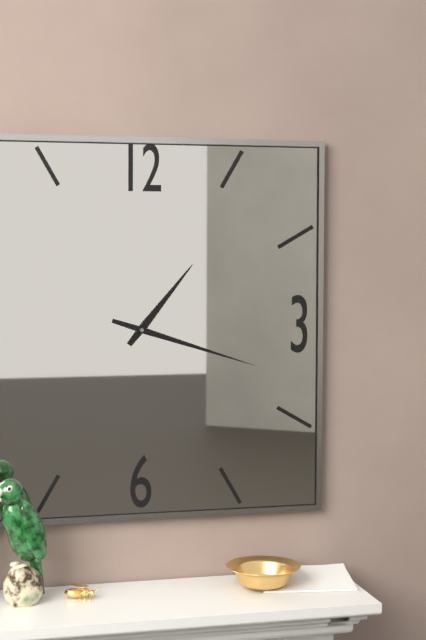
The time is {"hour": 1, "minute": 18}
